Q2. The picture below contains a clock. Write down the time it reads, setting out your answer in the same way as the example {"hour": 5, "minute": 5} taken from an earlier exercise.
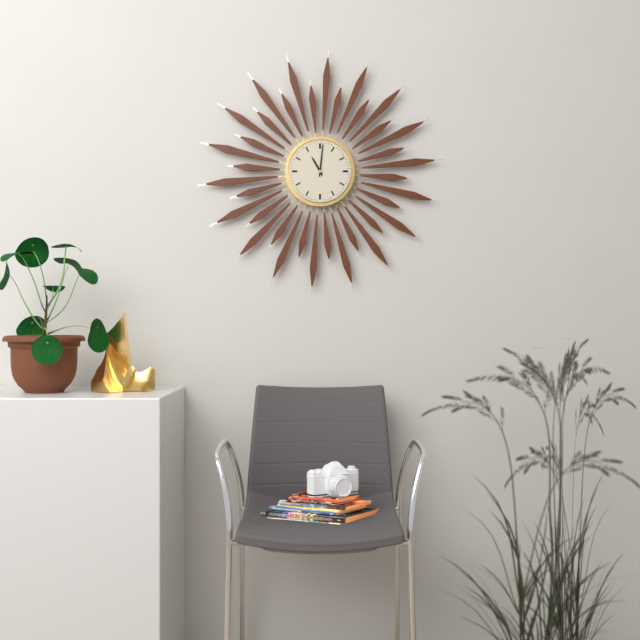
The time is {"hour": 11, "minute": 1}
